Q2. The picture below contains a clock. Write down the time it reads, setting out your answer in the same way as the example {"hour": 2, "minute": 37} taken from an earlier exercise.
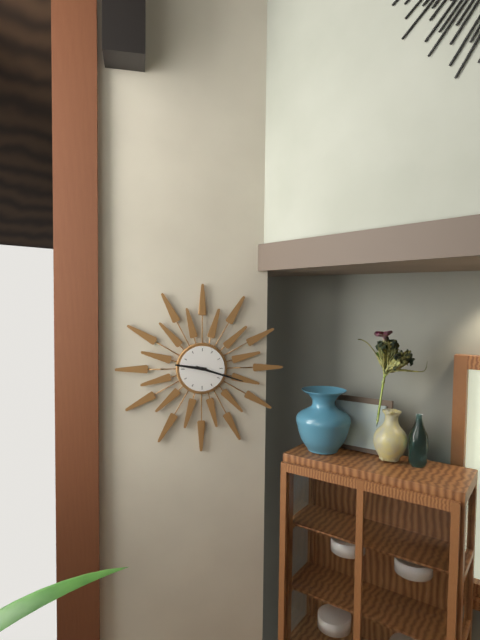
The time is {"hour": 9, "minute": 18}
